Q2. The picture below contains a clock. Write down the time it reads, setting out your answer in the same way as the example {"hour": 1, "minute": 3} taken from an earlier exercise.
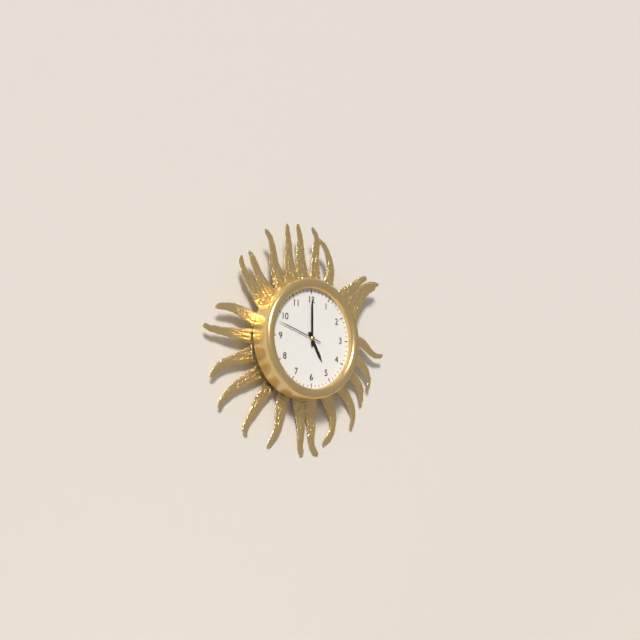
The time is {"hour": 5, "minute": 0}
